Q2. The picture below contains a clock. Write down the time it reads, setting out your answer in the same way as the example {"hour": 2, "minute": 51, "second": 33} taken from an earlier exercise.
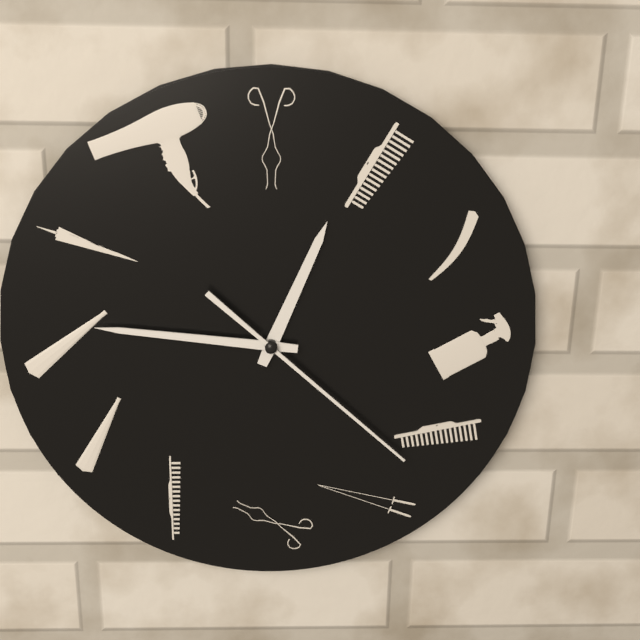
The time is {"hour": 12, "minute": 46, "second": 22}
